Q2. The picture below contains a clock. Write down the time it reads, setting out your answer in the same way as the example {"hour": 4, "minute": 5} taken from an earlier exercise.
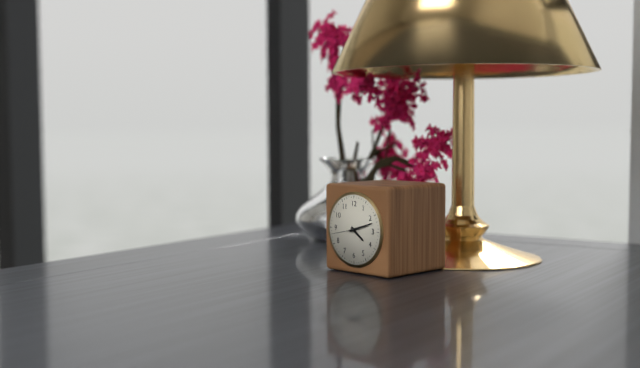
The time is {"hour": 4, "minute": 12}
